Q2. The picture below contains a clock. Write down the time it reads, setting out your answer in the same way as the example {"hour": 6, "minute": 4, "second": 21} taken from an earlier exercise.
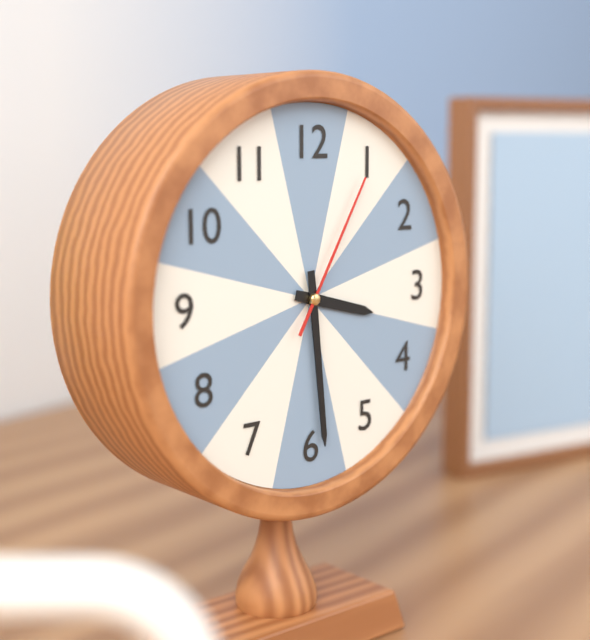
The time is {"hour": 3, "minute": 29, "second": 5}
